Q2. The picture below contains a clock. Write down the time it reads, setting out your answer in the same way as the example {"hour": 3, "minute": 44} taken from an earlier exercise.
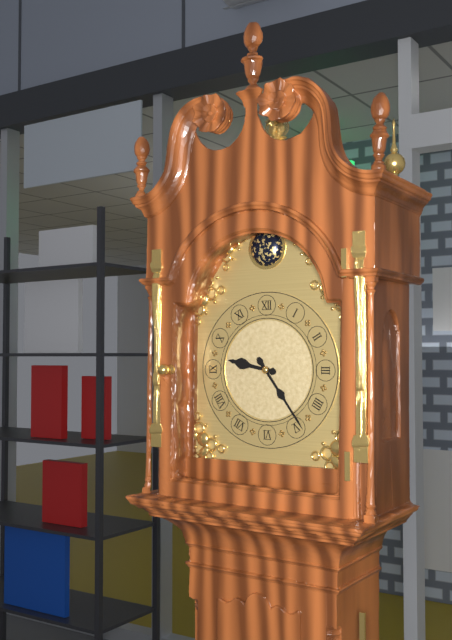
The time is {"hour": 9, "minute": 24}
